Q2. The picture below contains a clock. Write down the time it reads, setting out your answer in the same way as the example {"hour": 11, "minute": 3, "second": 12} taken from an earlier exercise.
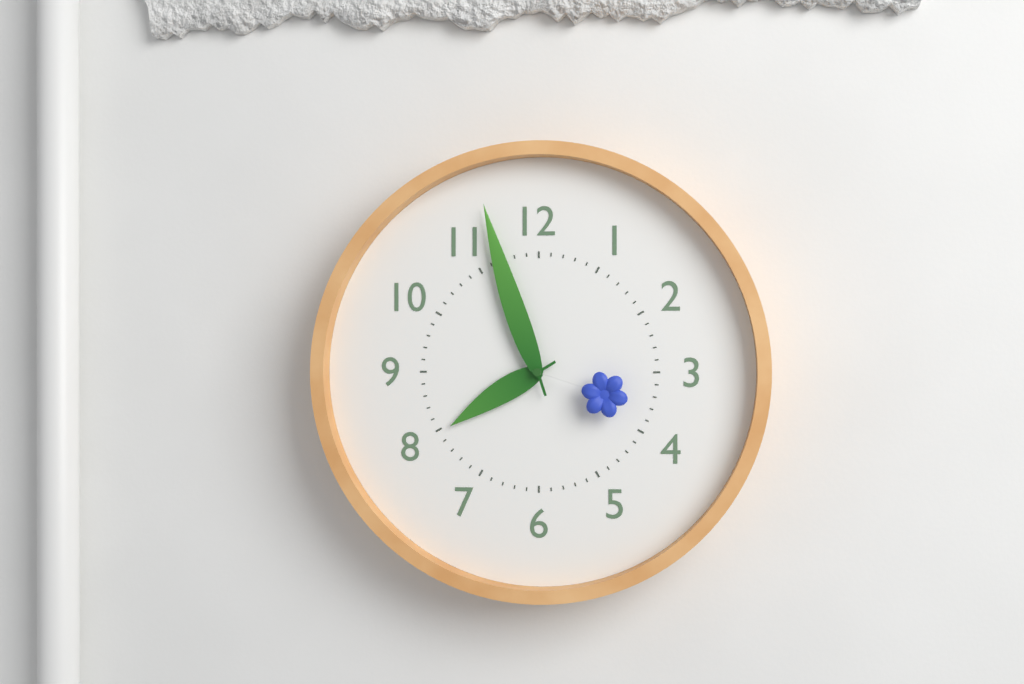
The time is {"hour": 7, "minute": 57, "second": 18}
